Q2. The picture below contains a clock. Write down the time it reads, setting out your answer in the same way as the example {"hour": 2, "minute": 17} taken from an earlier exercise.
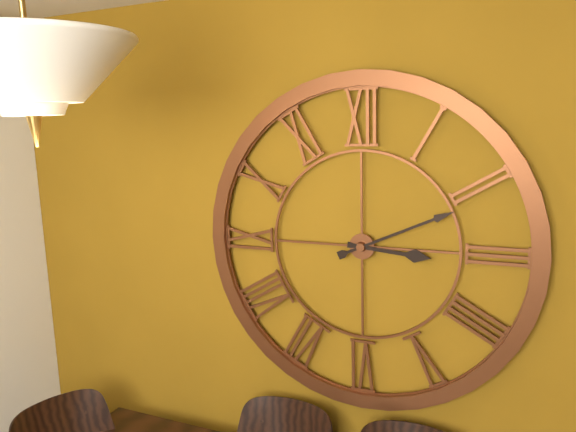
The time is {"hour": 3, "minute": 11}
